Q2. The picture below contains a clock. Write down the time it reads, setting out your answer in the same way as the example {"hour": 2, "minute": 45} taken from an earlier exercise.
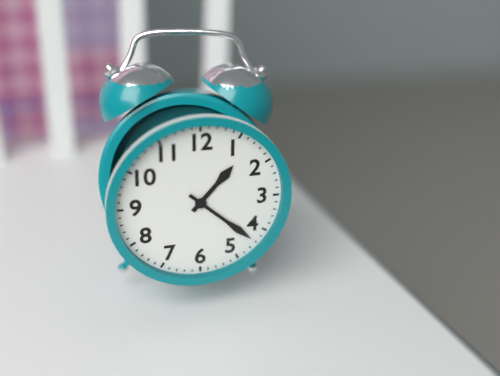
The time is {"hour": 1, "minute": 22}
